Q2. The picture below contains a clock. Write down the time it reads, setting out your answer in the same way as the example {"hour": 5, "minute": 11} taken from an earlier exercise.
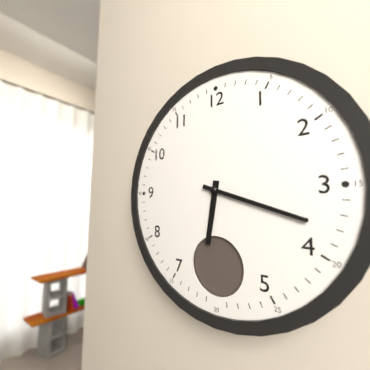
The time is {"hour": 6, "minute": 18}
